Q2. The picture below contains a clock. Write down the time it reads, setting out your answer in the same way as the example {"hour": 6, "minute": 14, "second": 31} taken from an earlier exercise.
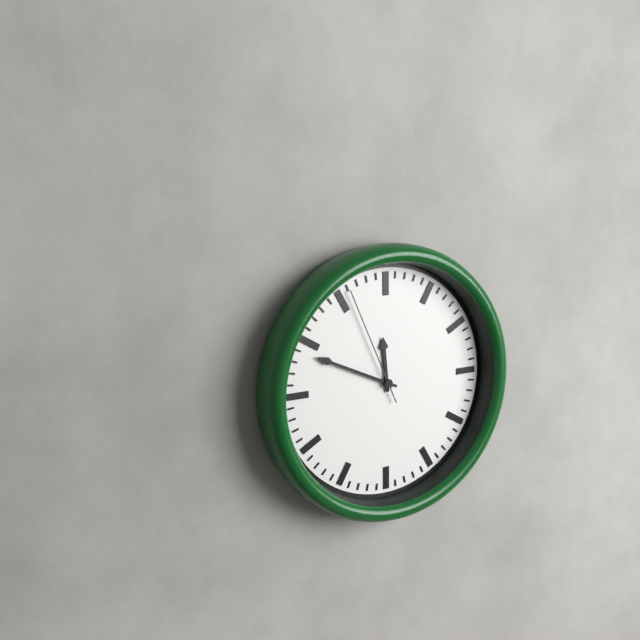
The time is {"hour": 11, "minute": 49, "second": 56}
